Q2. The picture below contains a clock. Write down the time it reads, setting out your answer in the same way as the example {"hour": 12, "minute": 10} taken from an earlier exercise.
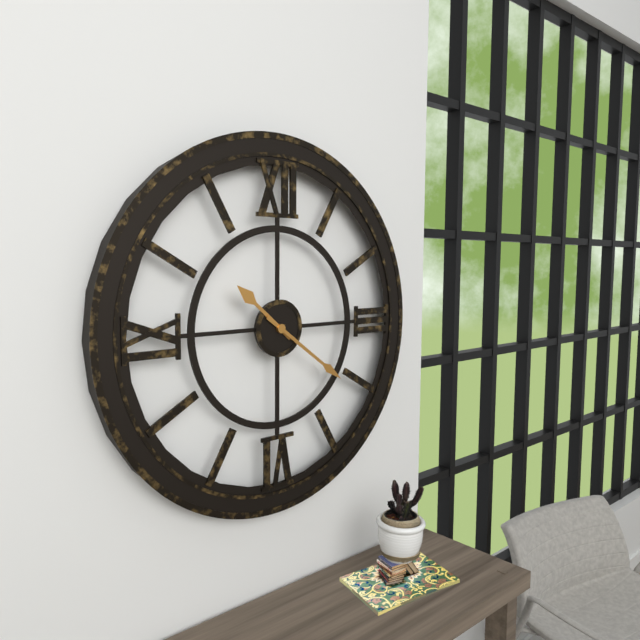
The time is {"hour": 10, "minute": 21}
